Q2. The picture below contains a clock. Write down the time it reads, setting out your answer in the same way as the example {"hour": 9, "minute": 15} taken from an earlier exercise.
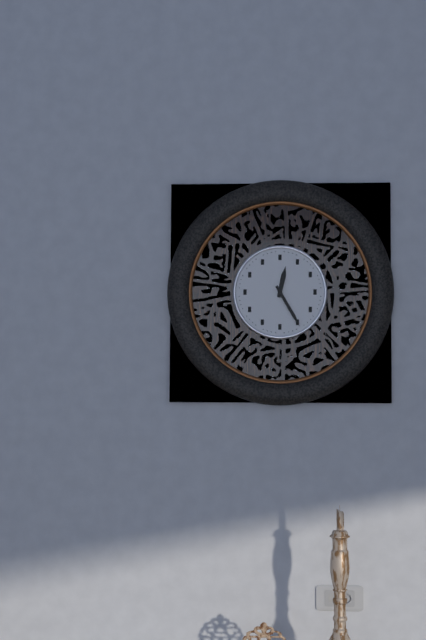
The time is {"hour": 12, "minute": 25}
